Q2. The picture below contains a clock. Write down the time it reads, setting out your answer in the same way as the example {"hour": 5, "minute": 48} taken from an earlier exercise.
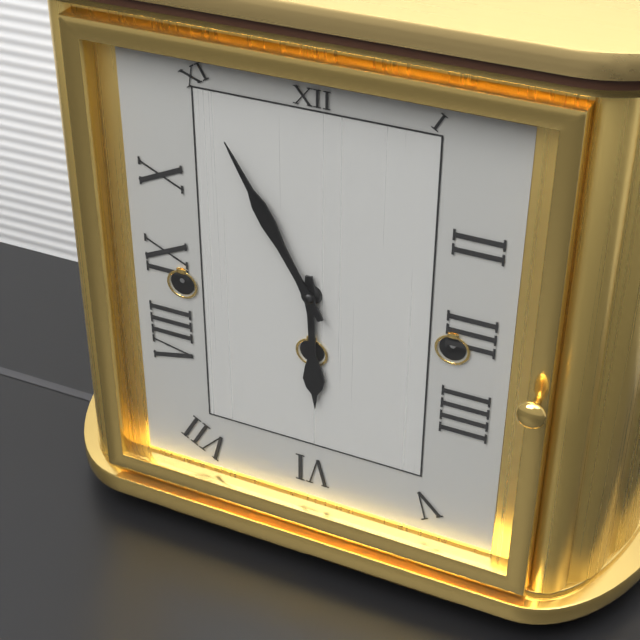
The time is {"hour": 5, "minute": 55}
